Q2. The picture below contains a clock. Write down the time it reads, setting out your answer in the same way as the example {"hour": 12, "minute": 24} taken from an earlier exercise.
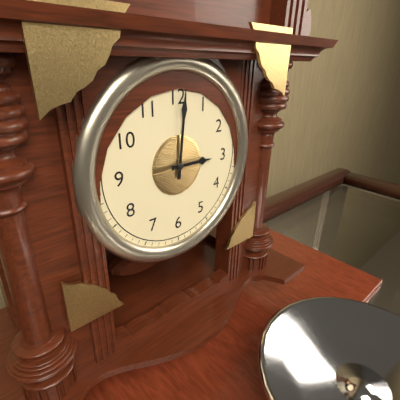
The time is {"hour": 3, "minute": 1}
